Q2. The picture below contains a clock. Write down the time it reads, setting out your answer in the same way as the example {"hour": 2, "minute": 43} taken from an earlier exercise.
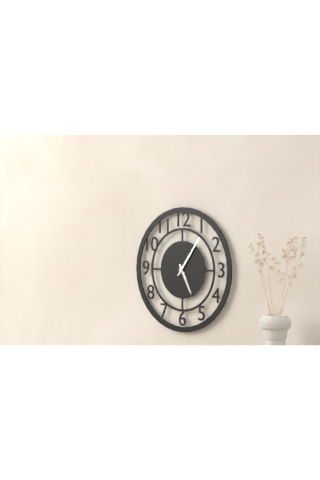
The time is {"hour": 5, "minute": 6}
